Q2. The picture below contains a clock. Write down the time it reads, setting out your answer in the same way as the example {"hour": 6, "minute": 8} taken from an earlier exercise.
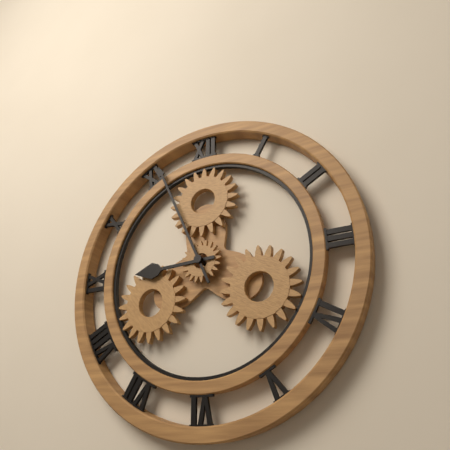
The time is {"hour": 8, "minute": 56}
